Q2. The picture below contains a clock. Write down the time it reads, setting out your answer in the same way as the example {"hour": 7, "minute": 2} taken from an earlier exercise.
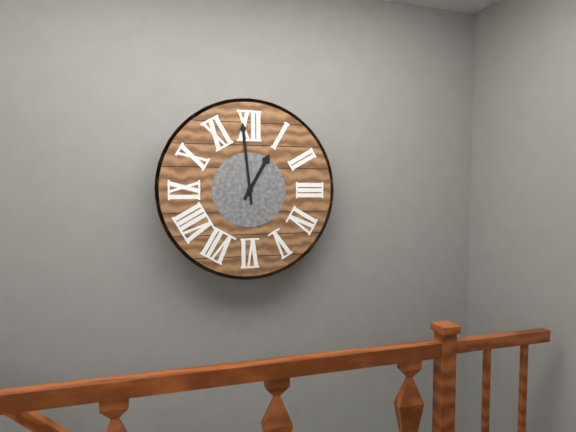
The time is {"hour": 12, "minute": 59}
